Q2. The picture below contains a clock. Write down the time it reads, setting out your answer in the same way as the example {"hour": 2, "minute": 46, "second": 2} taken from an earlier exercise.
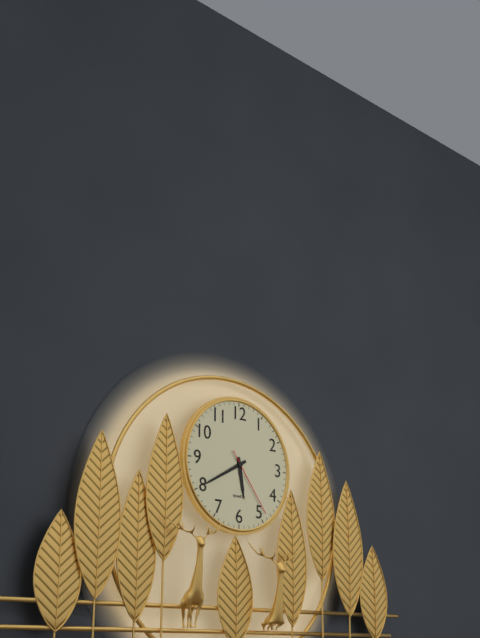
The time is {"hour": 5, "minute": 40, "second": 24}
